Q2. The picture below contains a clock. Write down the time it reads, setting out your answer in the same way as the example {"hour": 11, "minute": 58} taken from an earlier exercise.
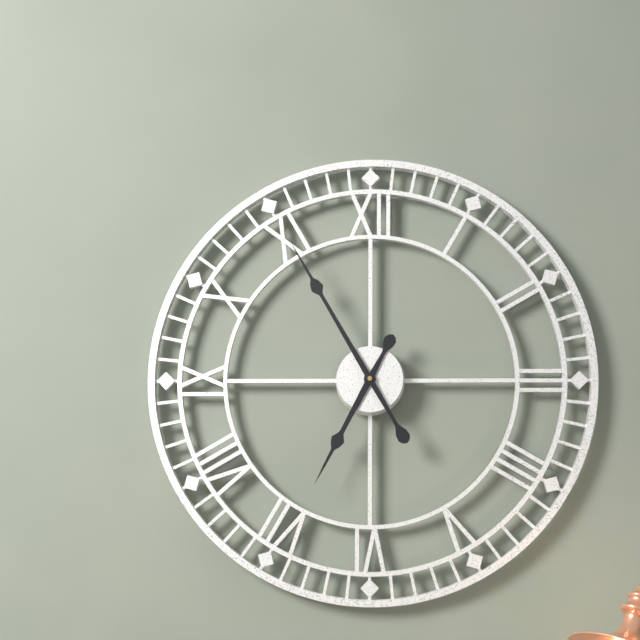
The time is {"hour": 6, "minute": 55}
